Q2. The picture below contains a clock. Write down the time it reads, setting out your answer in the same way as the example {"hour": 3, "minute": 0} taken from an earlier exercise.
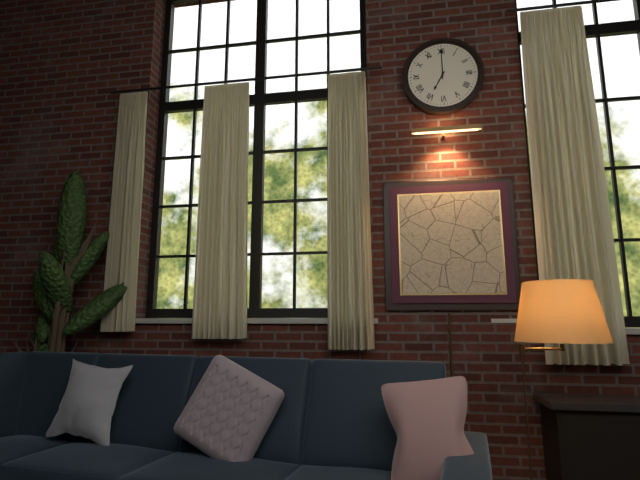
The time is {"hour": 7, "minute": 0}
